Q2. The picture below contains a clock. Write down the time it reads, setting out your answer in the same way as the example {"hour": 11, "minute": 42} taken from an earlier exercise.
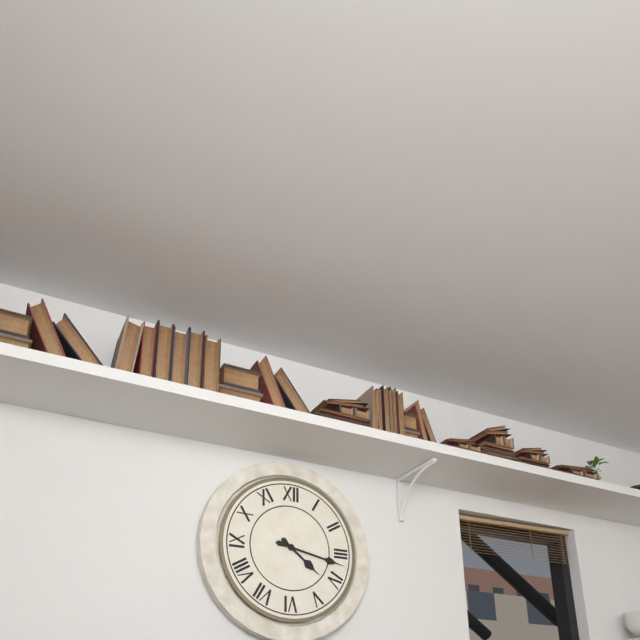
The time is {"hour": 4, "minute": 17}
